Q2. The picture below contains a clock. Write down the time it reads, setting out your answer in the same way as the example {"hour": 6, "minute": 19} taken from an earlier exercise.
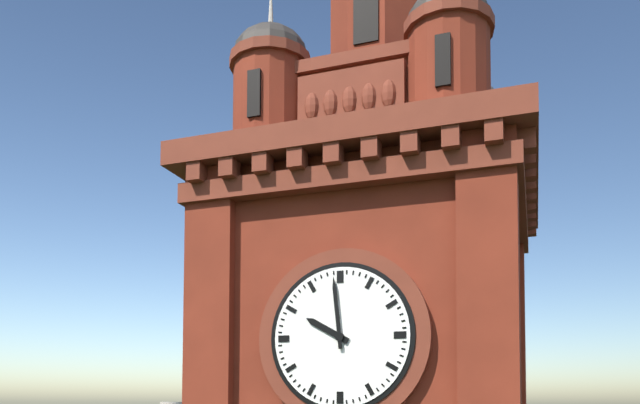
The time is {"hour": 9, "minute": 59}
